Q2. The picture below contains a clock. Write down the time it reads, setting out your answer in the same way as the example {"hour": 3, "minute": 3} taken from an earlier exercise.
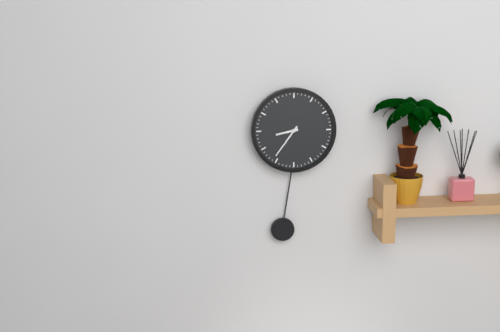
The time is {"hour": 8, "minute": 36}
